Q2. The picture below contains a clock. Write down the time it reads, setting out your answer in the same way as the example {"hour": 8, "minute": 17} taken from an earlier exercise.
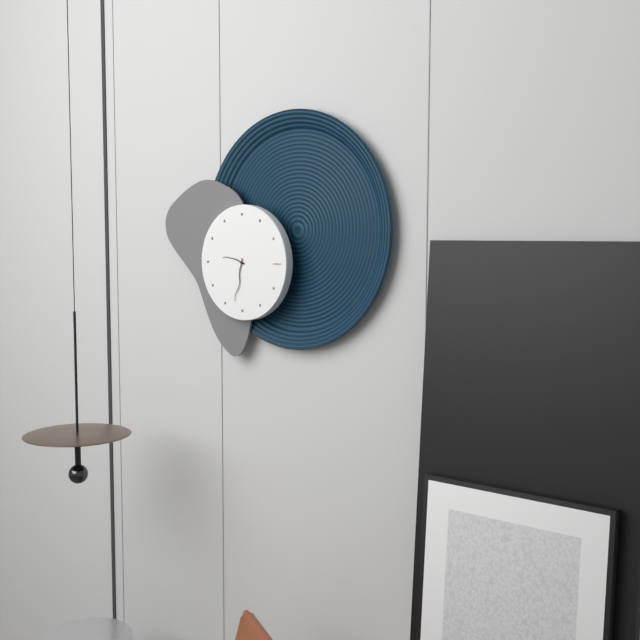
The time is {"hour": 9, "minute": 32}
